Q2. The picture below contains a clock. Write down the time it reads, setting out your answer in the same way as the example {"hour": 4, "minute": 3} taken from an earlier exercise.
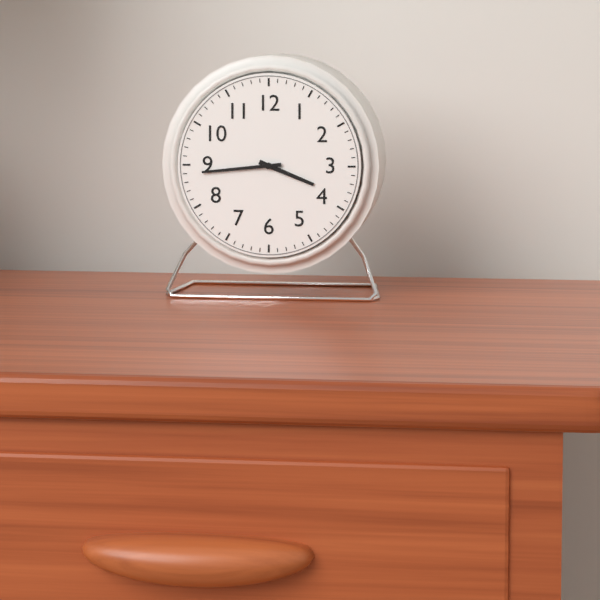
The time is {"hour": 3, "minute": 44}
